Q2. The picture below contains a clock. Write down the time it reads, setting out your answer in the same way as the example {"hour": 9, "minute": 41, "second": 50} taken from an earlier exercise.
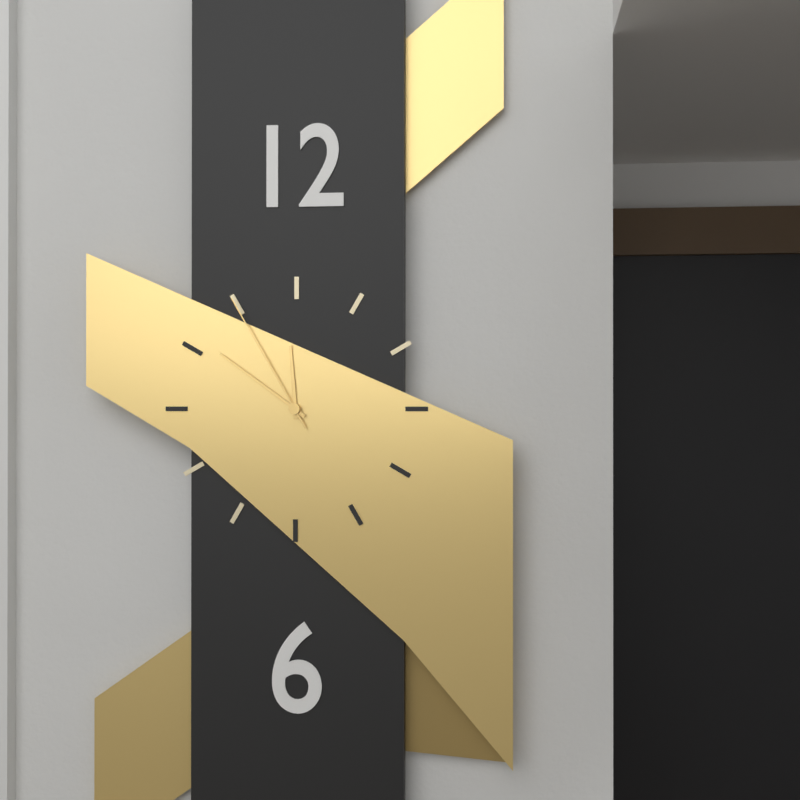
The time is {"hour": 11, "minute": 51, "second": 55}
